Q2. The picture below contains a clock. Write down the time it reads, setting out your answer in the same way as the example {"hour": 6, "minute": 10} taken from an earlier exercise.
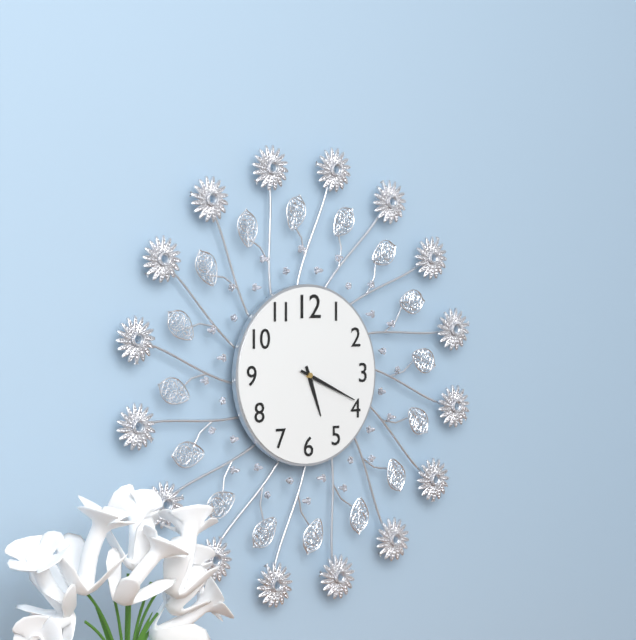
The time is {"hour": 5, "minute": 19}
